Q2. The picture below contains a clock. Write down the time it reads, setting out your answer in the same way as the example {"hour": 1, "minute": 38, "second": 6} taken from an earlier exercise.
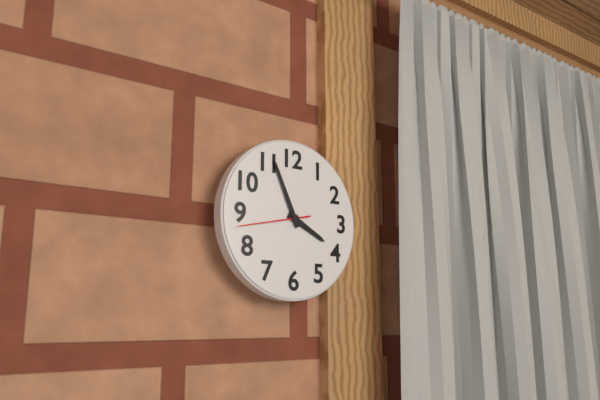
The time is {"hour": 3, "minute": 56, "second": 43}
